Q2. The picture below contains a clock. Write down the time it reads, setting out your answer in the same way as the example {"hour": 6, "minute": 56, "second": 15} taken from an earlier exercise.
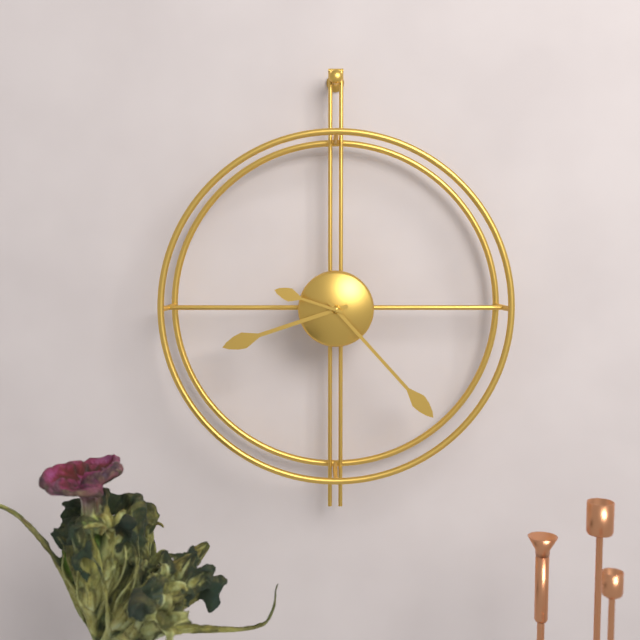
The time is {"hour": 8, "minute": 23, "second": 48}
